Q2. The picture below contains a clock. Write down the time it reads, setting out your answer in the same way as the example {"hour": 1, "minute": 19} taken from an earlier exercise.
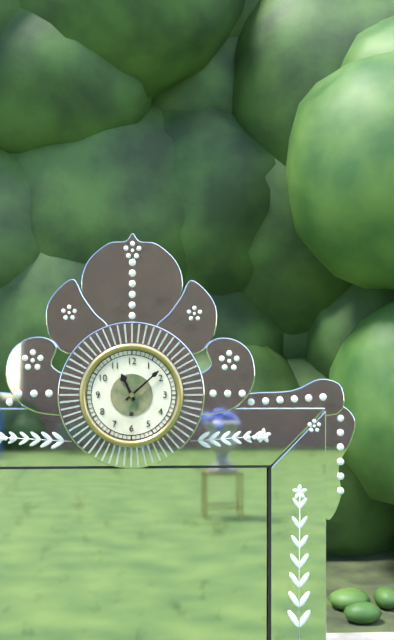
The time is {"hour": 11, "minute": 8}
